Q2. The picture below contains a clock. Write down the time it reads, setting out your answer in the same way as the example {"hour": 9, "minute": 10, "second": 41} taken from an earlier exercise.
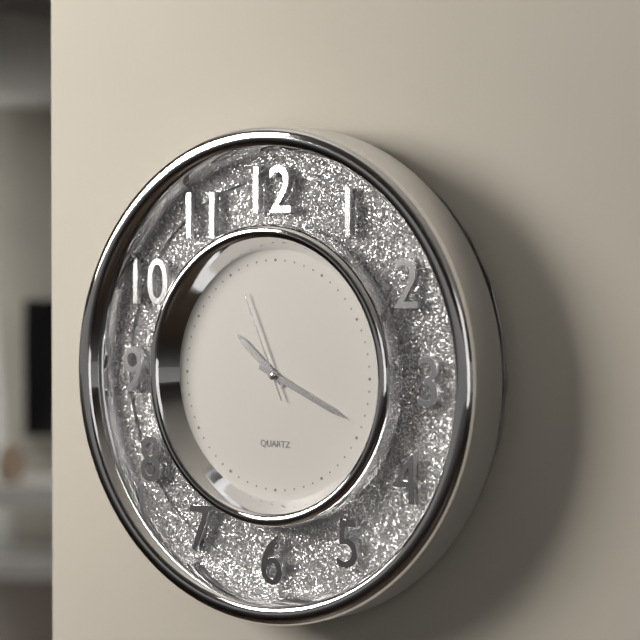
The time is {"hour": 10, "minute": 19, "second": 56}
